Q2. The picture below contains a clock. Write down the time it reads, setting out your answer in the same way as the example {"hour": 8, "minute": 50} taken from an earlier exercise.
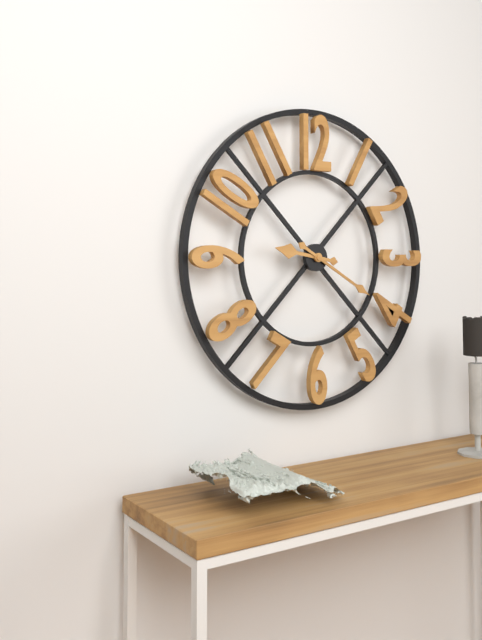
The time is {"hour": 9, "minute": 20}
